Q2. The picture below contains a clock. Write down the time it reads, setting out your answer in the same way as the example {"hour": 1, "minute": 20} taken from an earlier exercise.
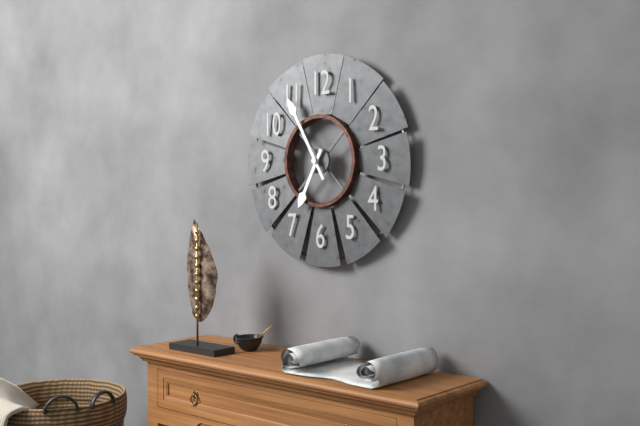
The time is {"hour": 6, "minute": 55}
